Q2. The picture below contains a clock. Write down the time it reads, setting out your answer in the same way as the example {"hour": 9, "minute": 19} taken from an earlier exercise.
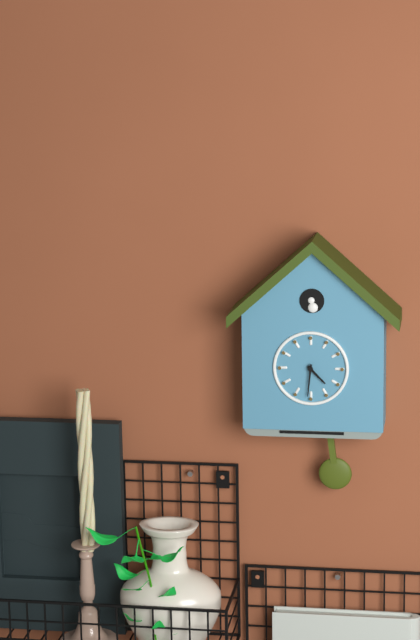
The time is {"hour": 4, "minute": 31}
